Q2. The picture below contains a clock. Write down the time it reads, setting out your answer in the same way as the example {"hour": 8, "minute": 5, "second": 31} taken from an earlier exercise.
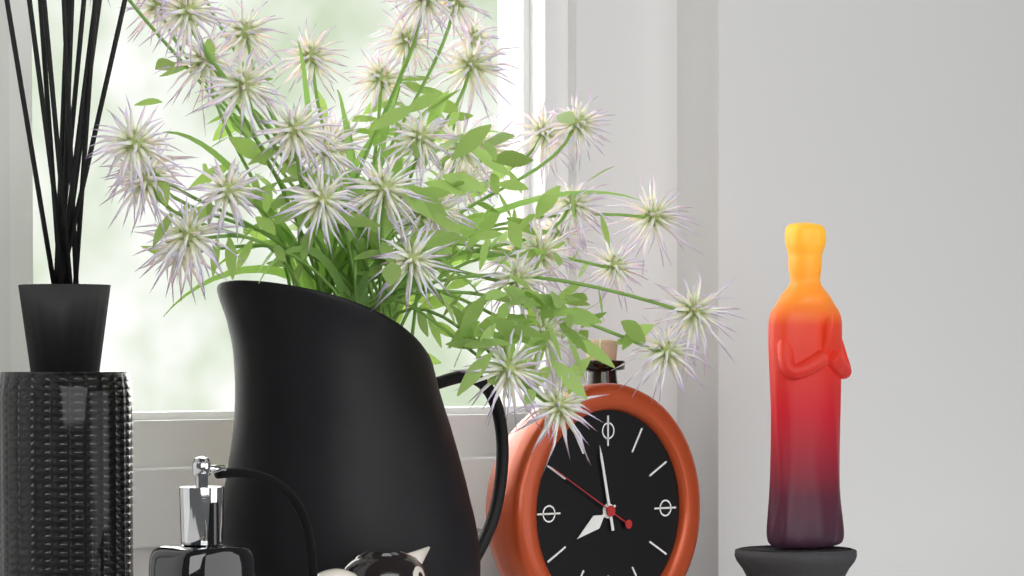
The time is {"hour": 7, "minute": 58, "second": 50}
